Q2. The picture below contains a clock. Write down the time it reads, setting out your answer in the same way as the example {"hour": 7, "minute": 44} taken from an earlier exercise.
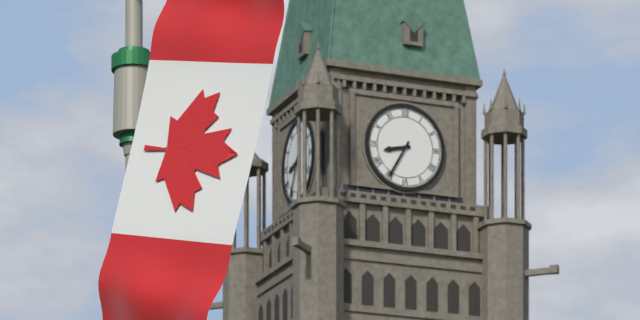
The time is {"hour": 8, "minute": 35}
